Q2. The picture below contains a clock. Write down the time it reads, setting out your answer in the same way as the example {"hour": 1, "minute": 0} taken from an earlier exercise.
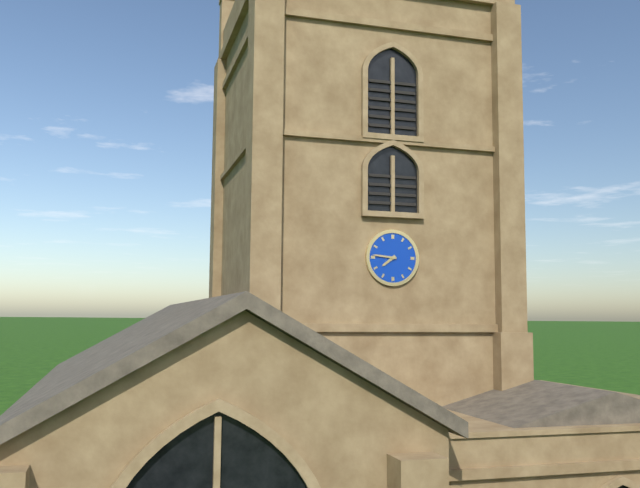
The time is {"hour": 7, "minute": 46}
